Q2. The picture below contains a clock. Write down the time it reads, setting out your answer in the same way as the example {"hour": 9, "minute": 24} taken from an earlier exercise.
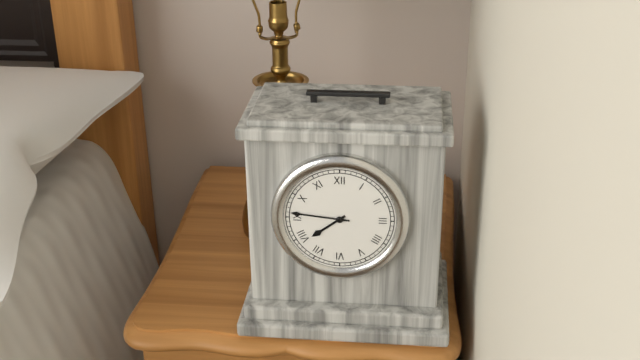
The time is {"hour": 7, "minute": 46}
